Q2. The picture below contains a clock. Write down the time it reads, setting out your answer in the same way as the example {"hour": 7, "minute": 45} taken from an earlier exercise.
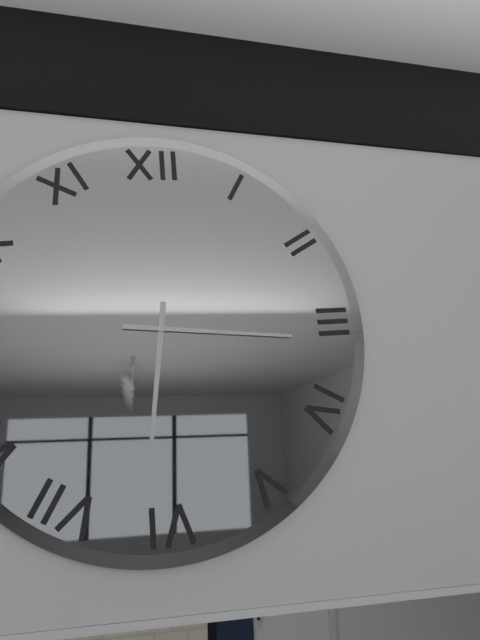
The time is {"hour": 6, "minute": 16}
